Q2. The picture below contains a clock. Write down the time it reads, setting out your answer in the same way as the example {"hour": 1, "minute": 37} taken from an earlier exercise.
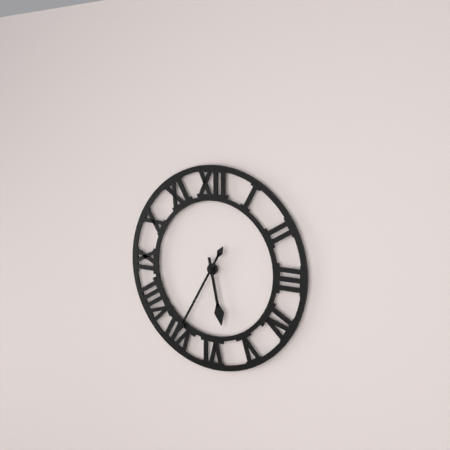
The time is {"hour": 5, "minute": 35}
